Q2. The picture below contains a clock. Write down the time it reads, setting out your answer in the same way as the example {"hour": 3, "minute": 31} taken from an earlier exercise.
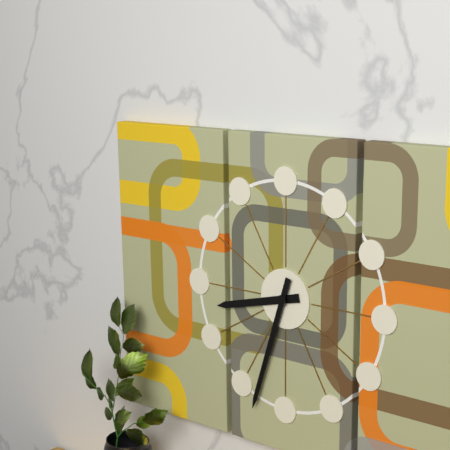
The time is {"hour": 8, "minute": 33}
